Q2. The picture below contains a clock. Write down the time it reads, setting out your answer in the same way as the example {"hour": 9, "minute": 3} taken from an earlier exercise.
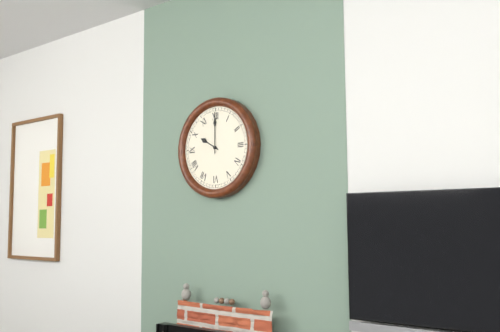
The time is {"hour": 10, "minute": 0}
